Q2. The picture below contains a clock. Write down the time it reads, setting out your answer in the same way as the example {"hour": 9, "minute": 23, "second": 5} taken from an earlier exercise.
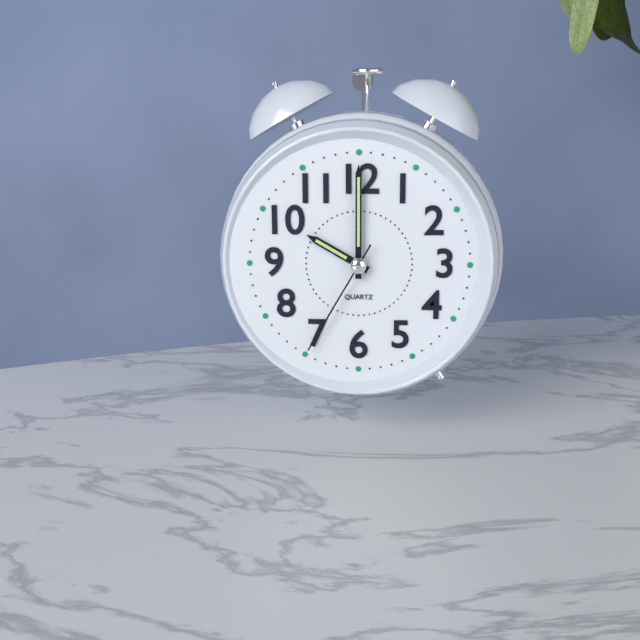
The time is {"hour": 10, "minute": 0, "second": 35}
